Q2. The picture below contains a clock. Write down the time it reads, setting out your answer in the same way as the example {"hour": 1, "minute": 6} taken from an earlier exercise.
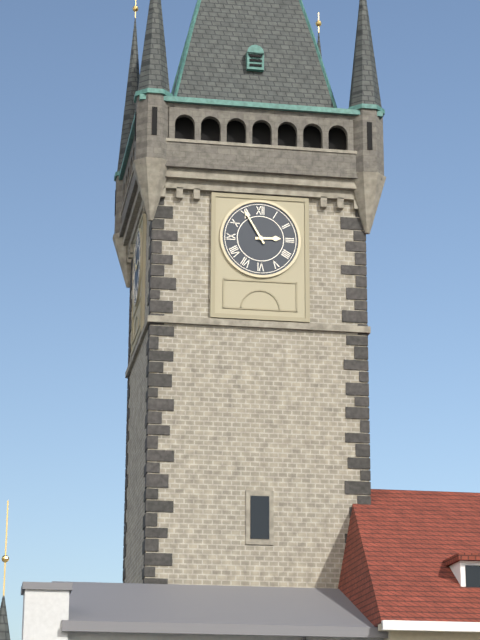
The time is {"hour": 2, "minute": 55}
